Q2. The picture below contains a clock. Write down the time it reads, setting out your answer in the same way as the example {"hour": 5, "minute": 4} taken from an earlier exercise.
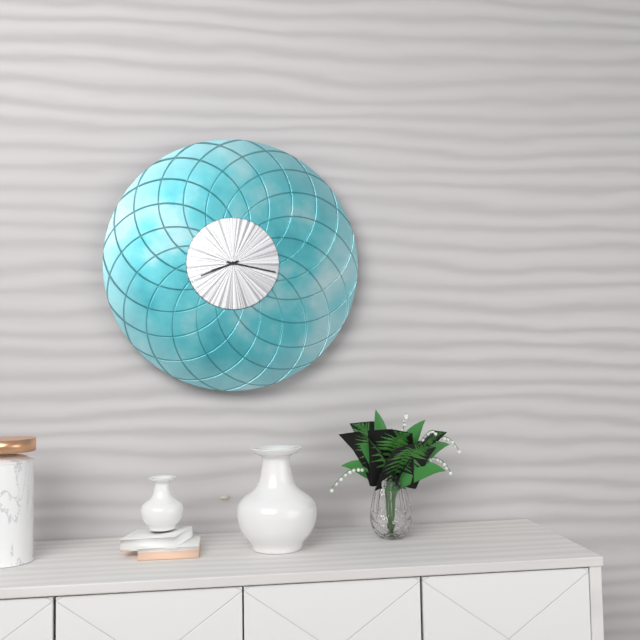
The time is {"hour": 8, "minute": 17}
